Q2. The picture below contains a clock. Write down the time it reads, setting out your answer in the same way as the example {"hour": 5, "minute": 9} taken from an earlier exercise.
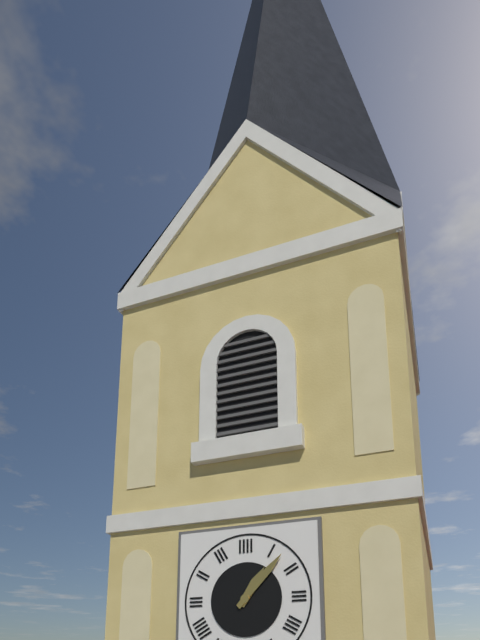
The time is {"hour": 1, "minute": 7}
